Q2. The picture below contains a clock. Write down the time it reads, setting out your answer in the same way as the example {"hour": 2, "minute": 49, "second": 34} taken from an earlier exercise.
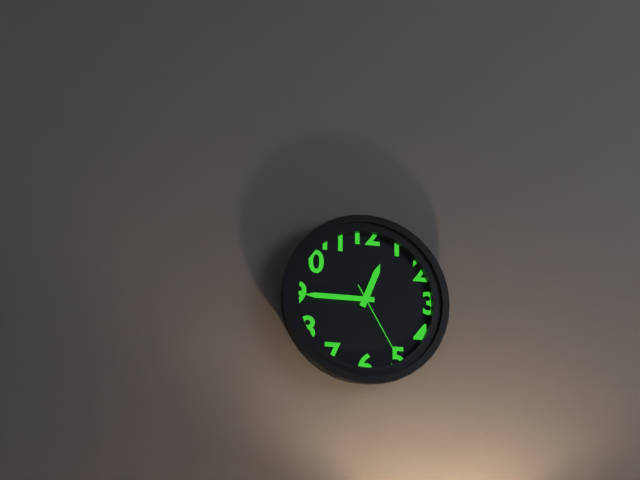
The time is {"hour": 12, "minute": 45, "second": 25}
